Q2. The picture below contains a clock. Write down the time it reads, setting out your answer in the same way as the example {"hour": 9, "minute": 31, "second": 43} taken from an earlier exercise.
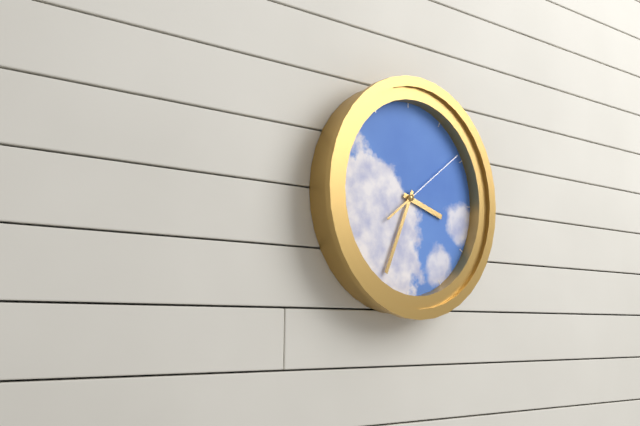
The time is {"hour": 3, "minute": 34, "second": 9}
